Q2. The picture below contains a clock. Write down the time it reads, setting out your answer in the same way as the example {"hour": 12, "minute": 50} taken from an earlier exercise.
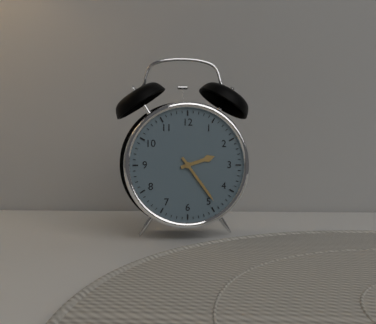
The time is {"hour": 2, "minute": 24}
